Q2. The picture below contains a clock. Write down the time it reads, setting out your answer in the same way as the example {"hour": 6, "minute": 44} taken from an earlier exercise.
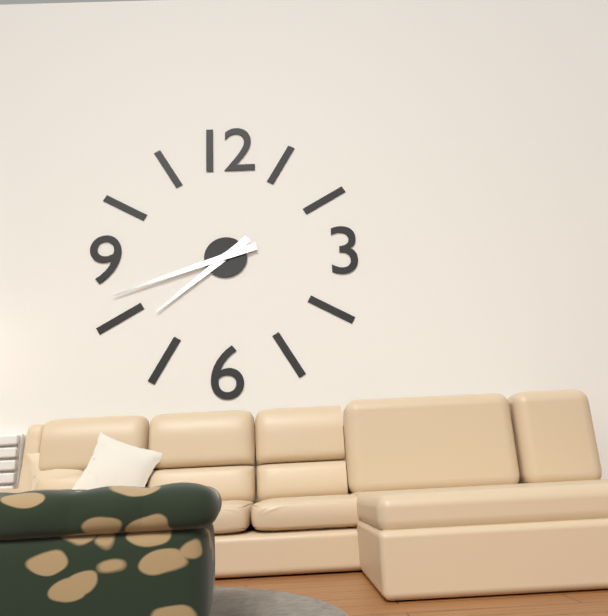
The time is {"hour": 7, "minute": 42}
